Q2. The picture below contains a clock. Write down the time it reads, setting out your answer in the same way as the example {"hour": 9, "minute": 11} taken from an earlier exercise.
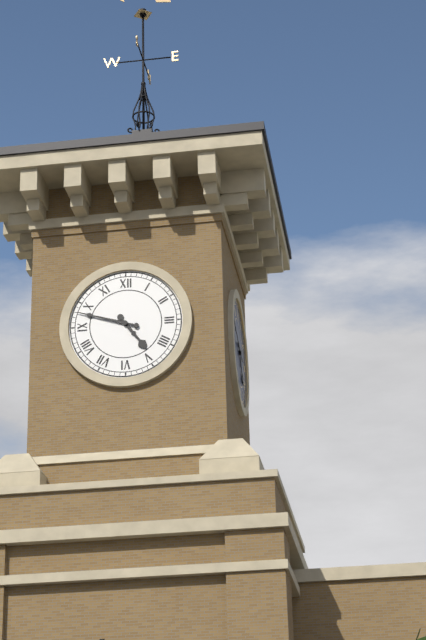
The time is {"hour": 4, "minute": 48}
